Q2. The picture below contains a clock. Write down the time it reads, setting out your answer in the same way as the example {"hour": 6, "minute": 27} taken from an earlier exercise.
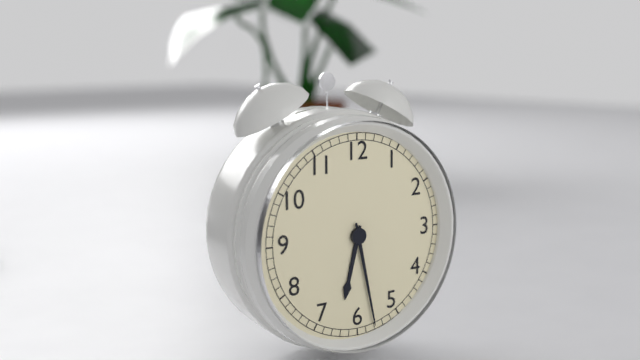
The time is {"hour": 6, "minute": 28}
